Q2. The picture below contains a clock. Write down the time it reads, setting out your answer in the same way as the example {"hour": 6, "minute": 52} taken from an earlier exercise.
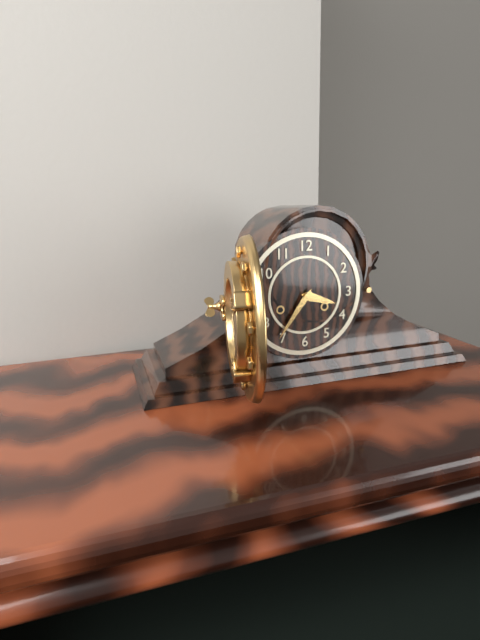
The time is {"hour": 3, "minute": 36}
